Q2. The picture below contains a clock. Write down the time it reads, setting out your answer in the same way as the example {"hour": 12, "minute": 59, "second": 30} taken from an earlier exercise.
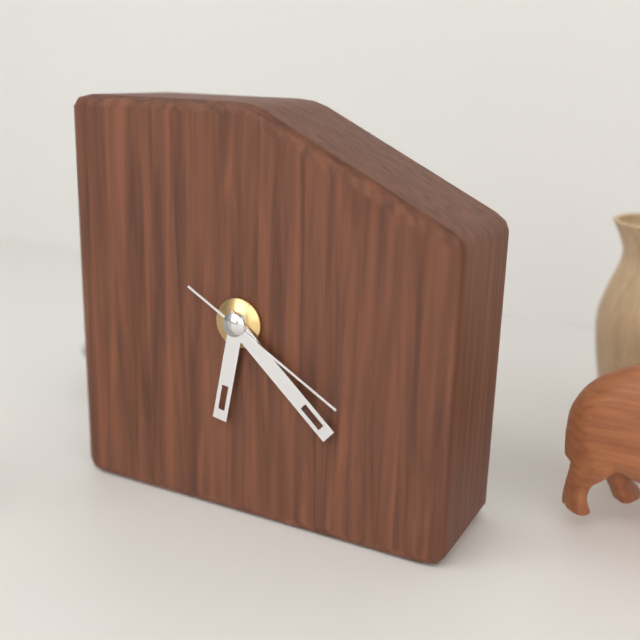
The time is {"hour": 6, "minute": 22, "second": 20}
